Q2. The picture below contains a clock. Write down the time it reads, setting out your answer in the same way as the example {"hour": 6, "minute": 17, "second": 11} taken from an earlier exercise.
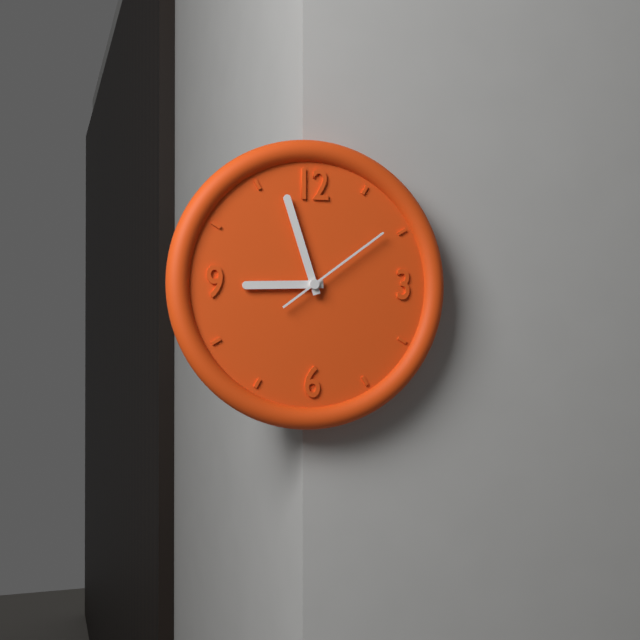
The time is {"hour": 8, "minute": 57, "second": 9}
